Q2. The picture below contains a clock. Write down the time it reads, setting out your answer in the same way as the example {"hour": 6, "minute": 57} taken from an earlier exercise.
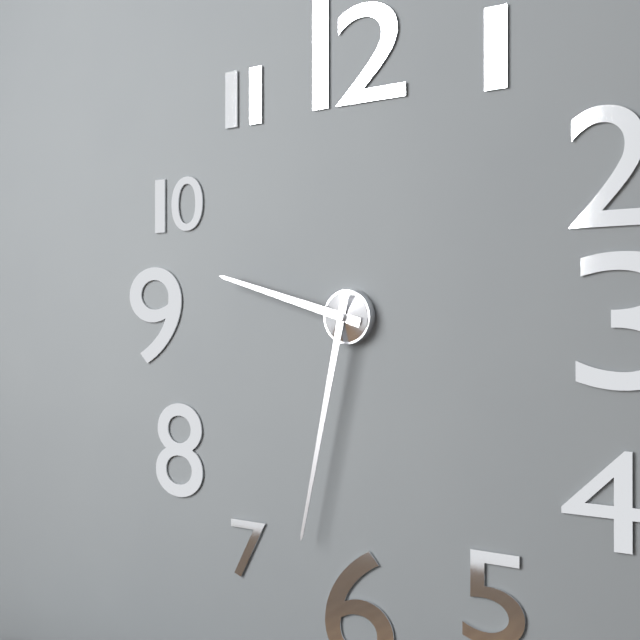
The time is {"hour": 9, "minute": 32}
